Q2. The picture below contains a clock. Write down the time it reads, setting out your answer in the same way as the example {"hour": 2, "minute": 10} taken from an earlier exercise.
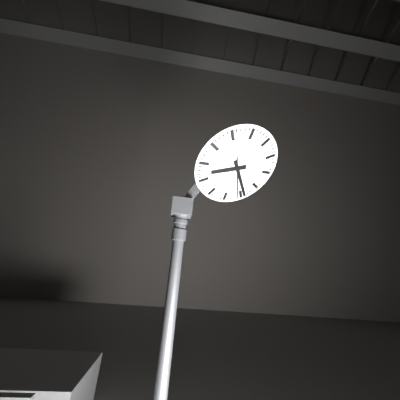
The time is {"hour": 8, "minute": 24}
